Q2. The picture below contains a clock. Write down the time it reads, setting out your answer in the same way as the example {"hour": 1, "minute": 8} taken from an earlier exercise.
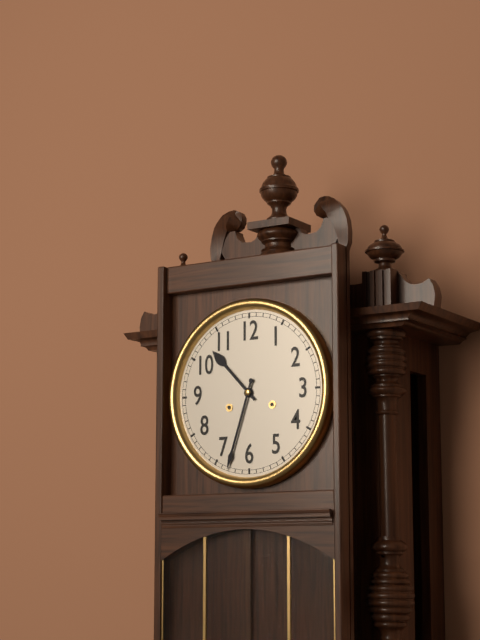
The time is {"hour": 10, "minute": 33}
